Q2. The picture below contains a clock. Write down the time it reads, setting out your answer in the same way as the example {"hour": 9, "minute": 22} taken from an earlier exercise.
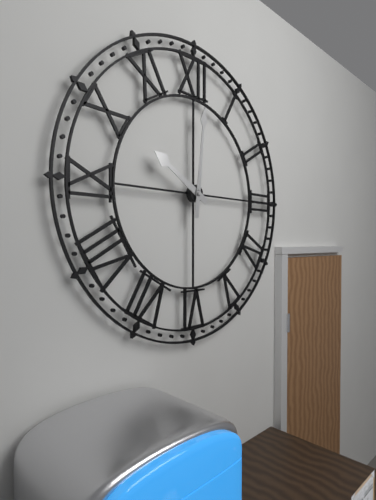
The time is {"hour": 10, "minute": 1}
